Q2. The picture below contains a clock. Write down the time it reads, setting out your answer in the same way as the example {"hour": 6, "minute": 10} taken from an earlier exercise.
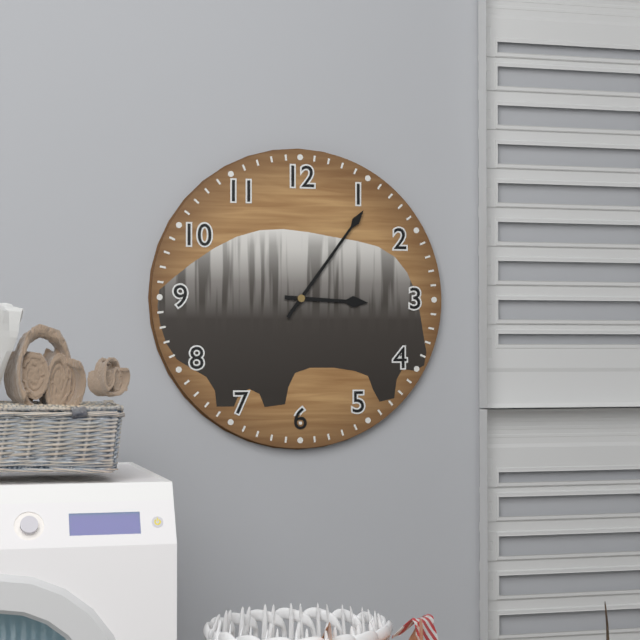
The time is {"hour": 3, "minute": 6}
